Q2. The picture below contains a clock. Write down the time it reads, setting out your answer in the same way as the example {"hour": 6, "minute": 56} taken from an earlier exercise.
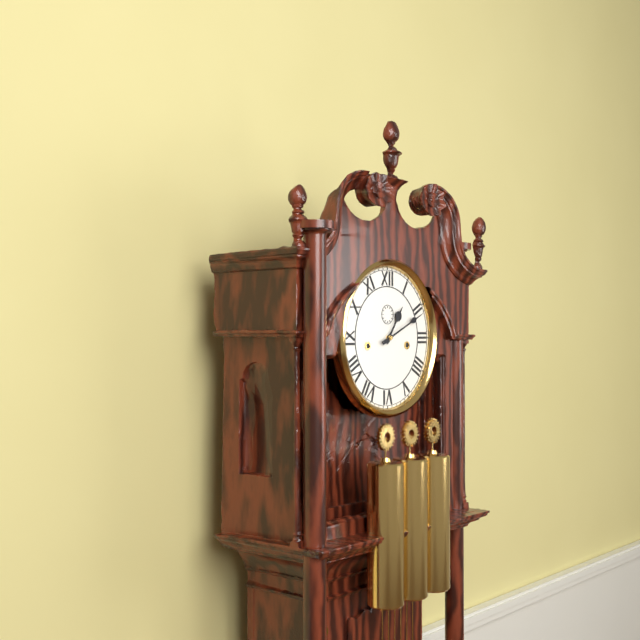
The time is {"hour": 1, "minute": 11}
